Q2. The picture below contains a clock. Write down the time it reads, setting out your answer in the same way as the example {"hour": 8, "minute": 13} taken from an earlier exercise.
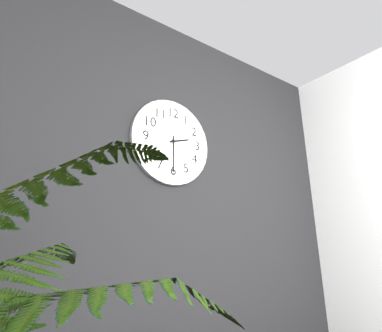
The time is {"hour": 2, "minute": 30}
